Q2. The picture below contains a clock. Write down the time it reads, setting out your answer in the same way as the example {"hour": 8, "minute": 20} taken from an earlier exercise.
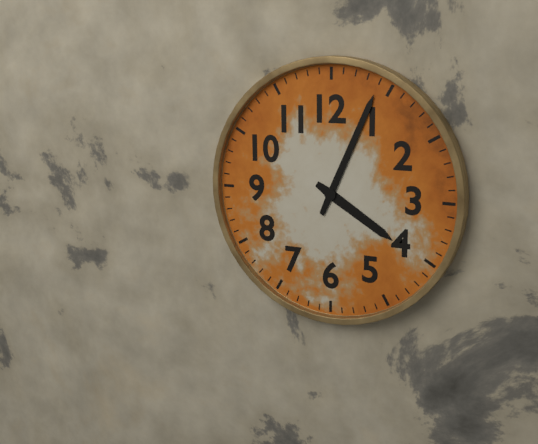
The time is {"hour": 4, "minute": 4}
